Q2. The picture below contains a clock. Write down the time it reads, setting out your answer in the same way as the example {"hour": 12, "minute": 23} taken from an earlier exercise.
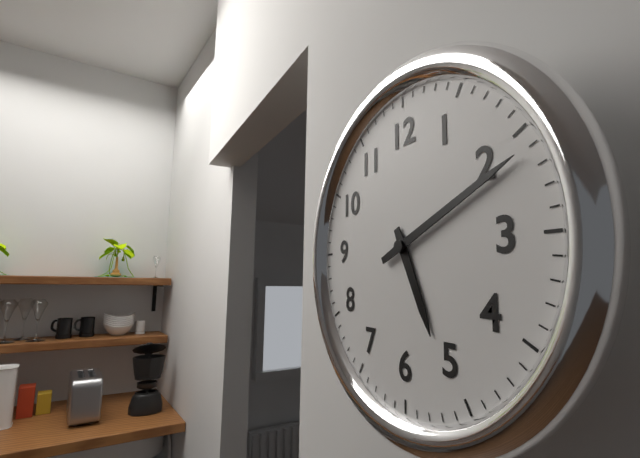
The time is {"hour": 5, "minute": 11}
